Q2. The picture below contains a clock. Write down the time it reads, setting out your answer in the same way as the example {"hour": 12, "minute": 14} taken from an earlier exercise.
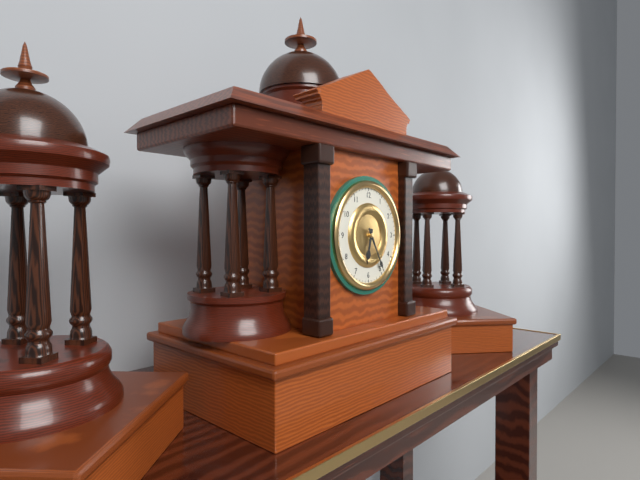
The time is {"hour": 6, "minute": 25}
